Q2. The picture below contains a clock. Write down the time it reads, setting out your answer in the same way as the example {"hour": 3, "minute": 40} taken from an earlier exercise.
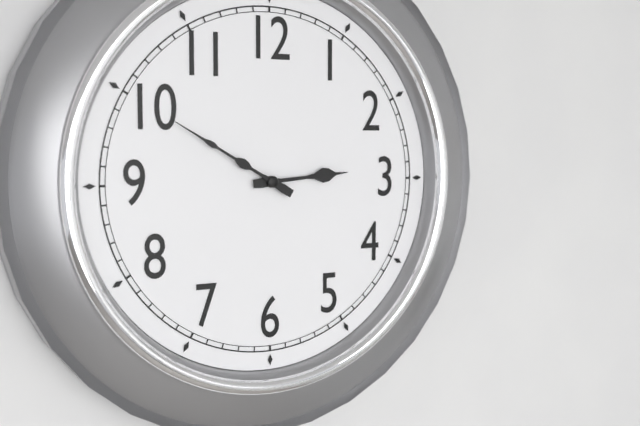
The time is {"hour": 2, "minute": 50}
